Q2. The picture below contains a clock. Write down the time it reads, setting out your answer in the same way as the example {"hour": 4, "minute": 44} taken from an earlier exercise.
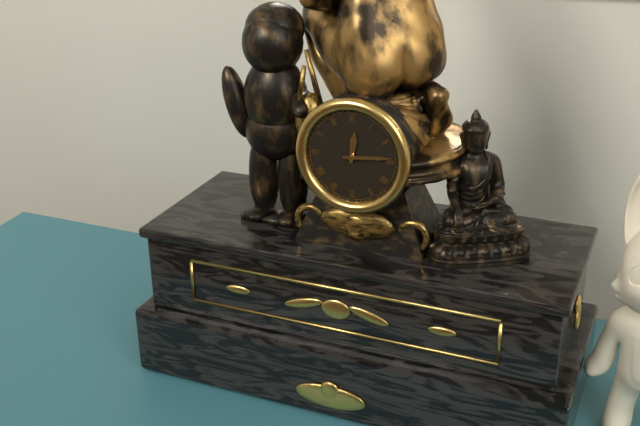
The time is {"hour": 12, "minute": 14}
